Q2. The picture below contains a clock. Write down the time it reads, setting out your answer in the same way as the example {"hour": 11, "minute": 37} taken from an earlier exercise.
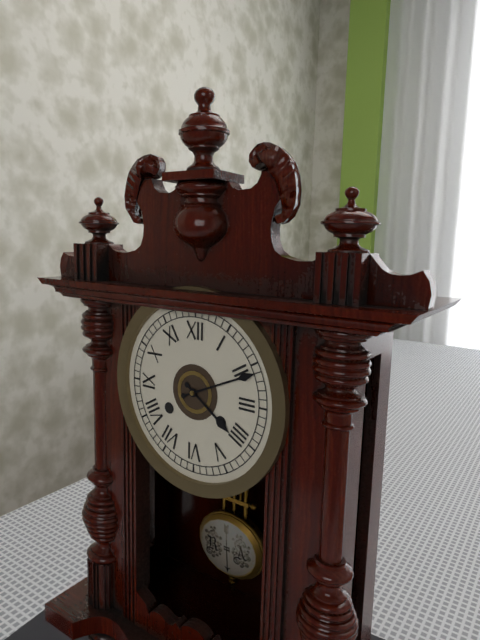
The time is {"hour": 4, "minute": 11}
